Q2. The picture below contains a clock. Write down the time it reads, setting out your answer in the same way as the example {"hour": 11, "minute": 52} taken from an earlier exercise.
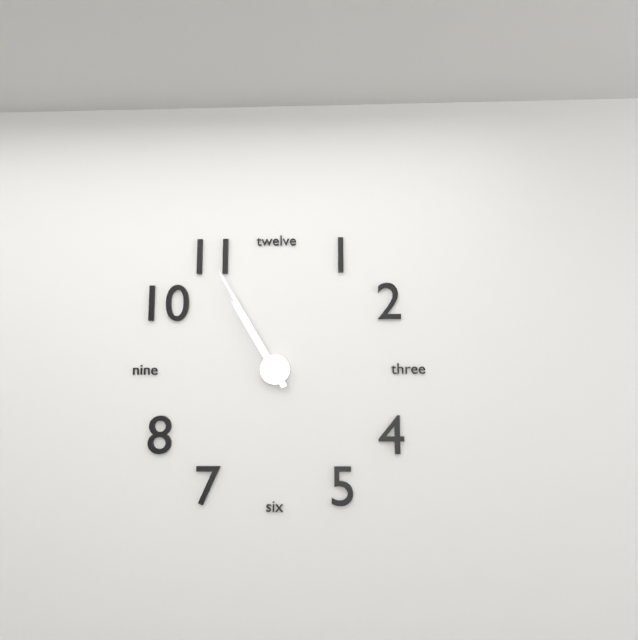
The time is {"hour": 10, "minute": 55}
